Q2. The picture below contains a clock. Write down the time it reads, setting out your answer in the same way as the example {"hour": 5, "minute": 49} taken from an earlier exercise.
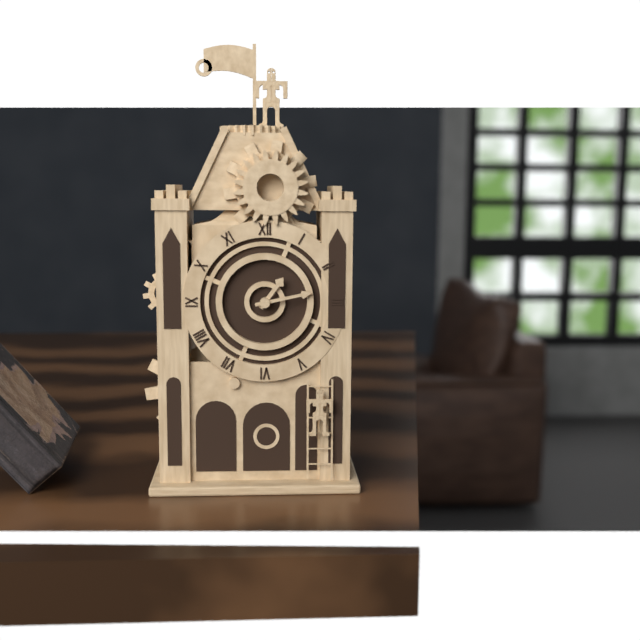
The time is {"hour": 1, "minute": 13}
